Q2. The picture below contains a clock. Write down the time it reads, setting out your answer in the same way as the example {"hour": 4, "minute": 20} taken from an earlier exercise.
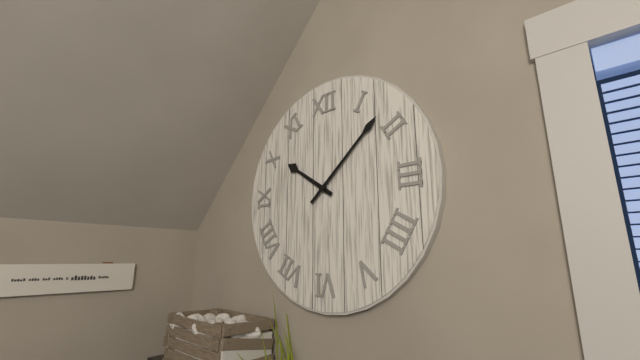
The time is {"hour": 10, "minute": 8}
